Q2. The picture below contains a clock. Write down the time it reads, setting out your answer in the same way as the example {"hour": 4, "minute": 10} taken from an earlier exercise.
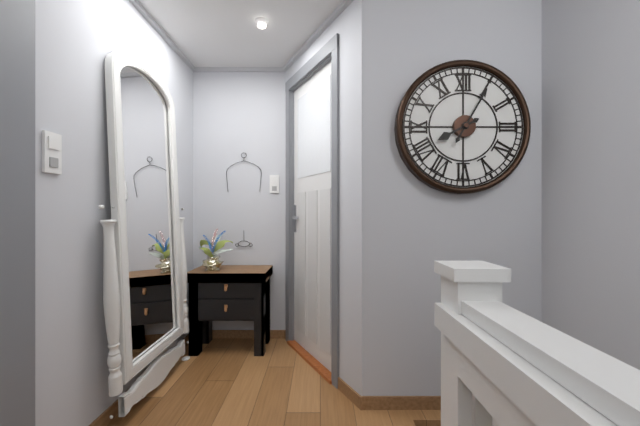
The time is {"hour": 8, "minute": 5}
